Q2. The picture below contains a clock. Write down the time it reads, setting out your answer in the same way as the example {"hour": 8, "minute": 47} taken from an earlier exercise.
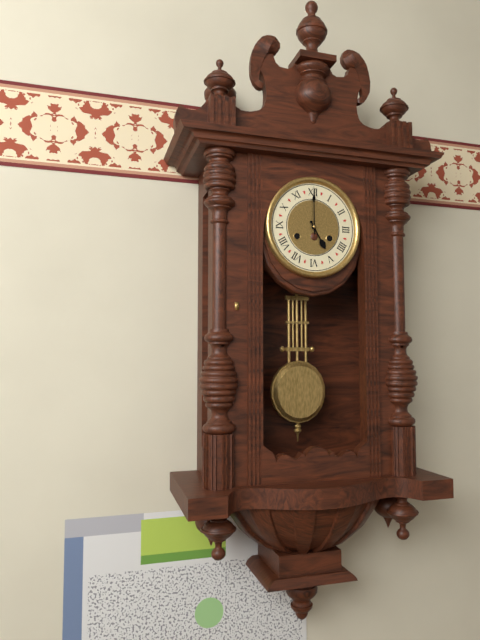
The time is {"hour": 5, "minute": 0}
